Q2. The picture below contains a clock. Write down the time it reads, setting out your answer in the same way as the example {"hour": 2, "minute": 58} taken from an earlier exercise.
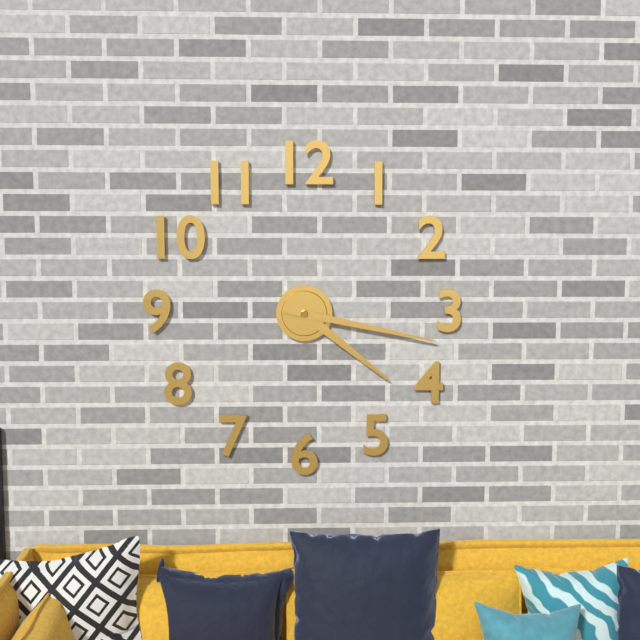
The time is {"hour": 4, "minute": 17}
